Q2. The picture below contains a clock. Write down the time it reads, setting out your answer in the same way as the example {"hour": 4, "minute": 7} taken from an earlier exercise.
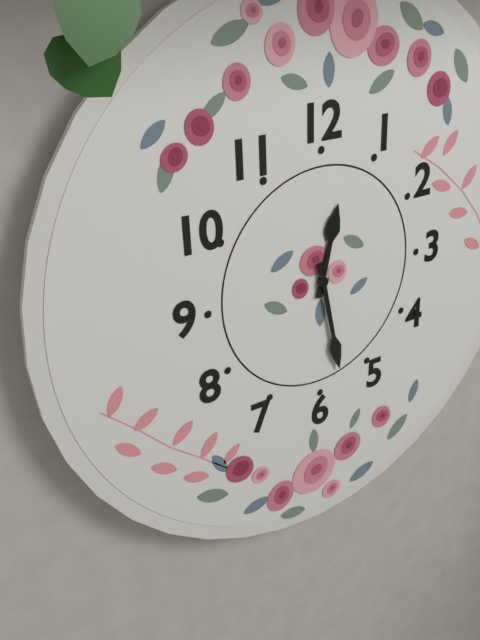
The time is {"hour": 12, "minute": 28}
